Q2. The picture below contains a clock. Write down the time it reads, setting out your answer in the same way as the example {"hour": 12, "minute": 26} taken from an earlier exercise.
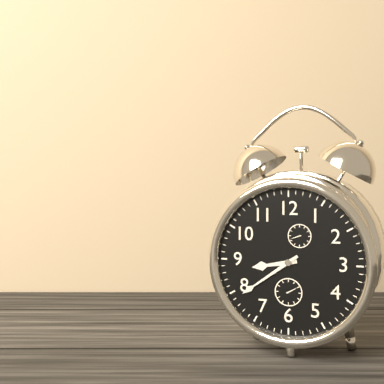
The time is {"hour": 8, "minute": 39}
